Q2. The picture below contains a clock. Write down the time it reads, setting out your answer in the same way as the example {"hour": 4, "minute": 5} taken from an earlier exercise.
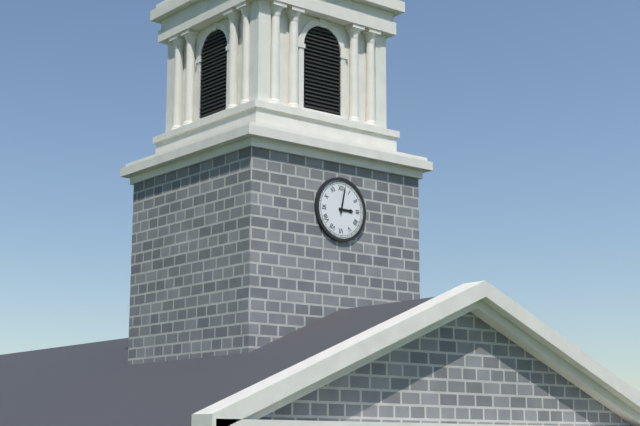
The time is {"hour": 3, "minute": 2}
